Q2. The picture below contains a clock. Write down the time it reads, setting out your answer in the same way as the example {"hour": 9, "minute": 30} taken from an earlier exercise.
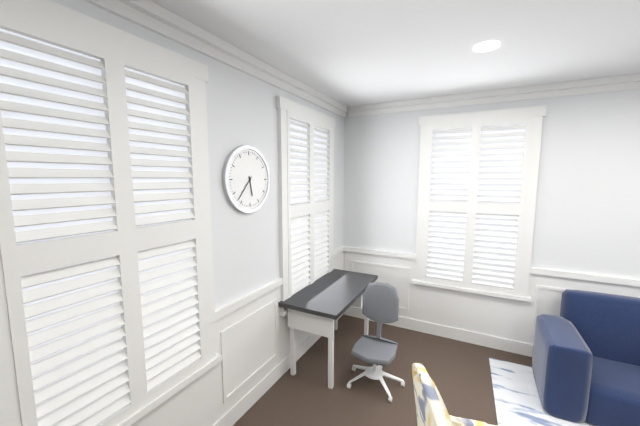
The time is {"hour": 5, "minute": 37}
